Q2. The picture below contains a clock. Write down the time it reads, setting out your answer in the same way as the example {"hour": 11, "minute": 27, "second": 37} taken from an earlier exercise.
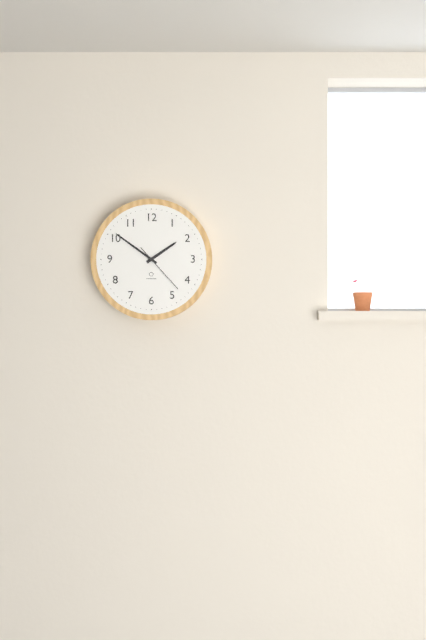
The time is {"hour": 1, "minute": 51, "second": 23}
